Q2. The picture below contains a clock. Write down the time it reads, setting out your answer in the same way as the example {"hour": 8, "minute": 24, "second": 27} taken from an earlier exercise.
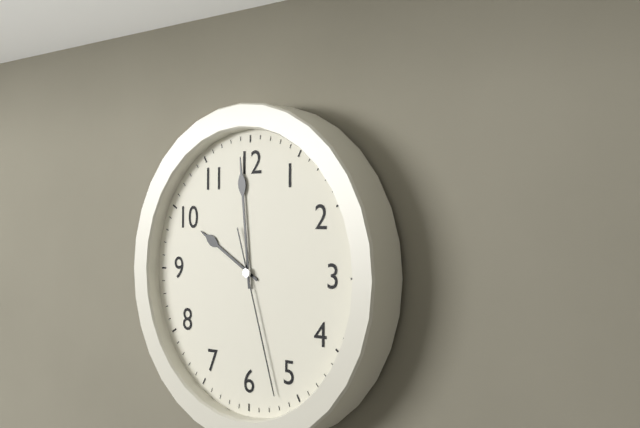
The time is {"hour": 9, "minute": 59, "second": 27}
